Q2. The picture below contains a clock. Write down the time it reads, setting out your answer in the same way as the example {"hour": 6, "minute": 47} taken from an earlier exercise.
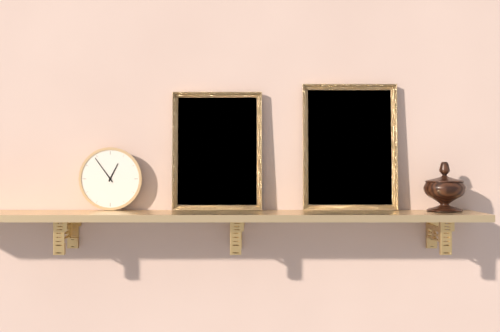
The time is {"hour": 12, "minute": 54}
